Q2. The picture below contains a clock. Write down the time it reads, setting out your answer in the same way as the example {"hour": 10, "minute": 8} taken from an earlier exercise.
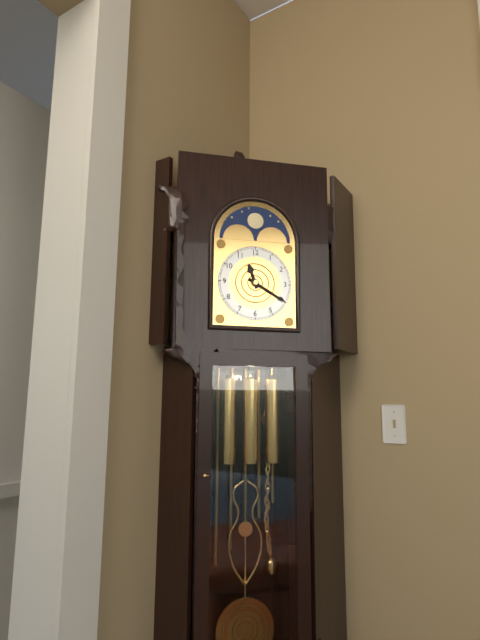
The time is {"hour": 11, "minute": 20}
